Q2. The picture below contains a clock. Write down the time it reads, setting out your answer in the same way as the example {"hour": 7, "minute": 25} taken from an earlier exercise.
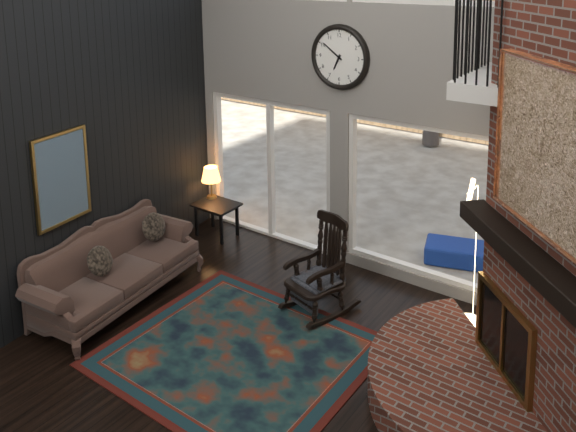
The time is {"hour": 6, "minute": 51}
